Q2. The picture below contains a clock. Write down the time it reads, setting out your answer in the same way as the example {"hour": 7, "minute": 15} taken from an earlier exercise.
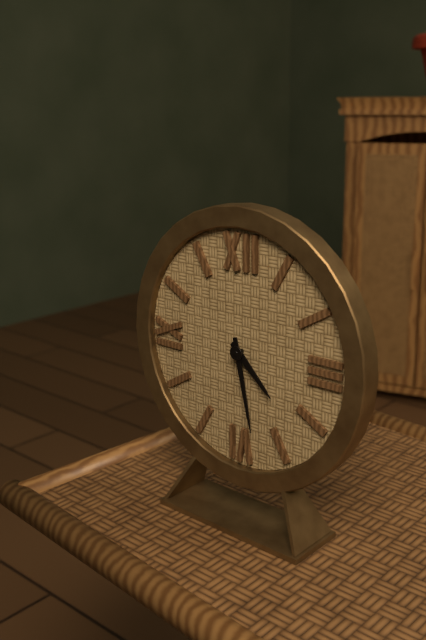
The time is {"hour": 4, "minute": 28}
